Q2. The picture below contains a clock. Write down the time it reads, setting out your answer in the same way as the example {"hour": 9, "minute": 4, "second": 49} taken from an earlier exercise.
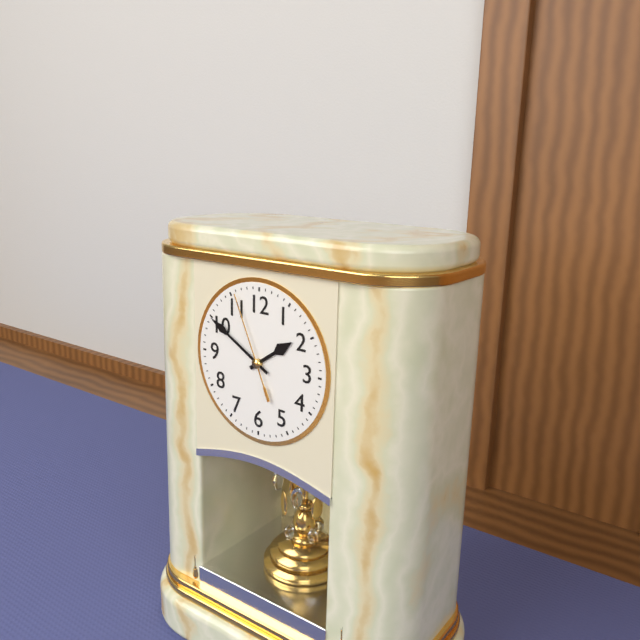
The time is {"hour": 1, "minute": 50, "second": 56}
